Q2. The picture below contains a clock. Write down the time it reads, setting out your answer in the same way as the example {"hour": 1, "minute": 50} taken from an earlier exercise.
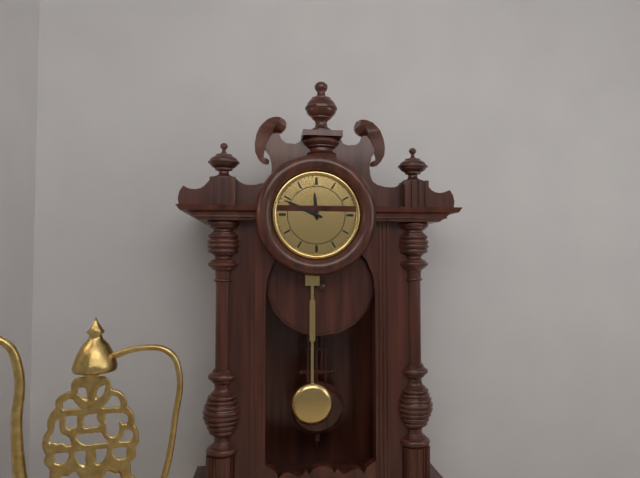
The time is {"hour": 11, "minute": 49}
